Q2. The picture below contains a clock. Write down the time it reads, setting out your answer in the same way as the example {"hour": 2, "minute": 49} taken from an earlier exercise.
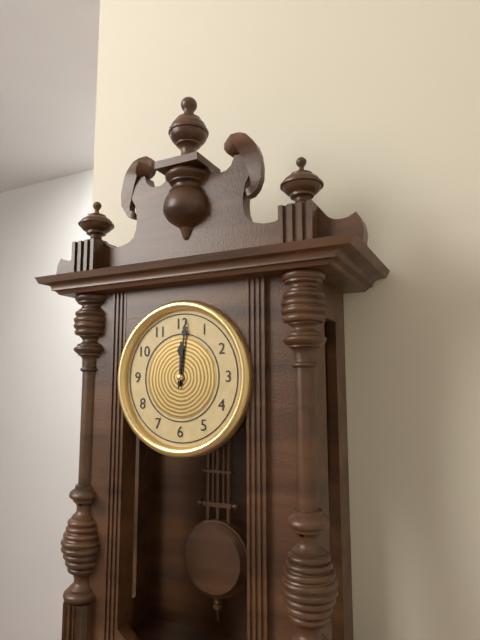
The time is {"hour": 12, "minute": 1}
